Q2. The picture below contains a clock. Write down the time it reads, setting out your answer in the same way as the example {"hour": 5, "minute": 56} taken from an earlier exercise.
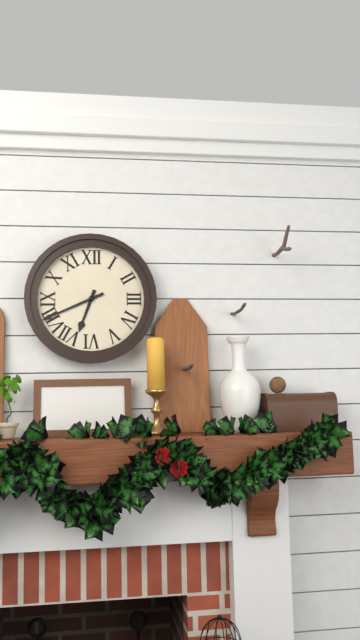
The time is {"hour": 6, "minute": 41}
